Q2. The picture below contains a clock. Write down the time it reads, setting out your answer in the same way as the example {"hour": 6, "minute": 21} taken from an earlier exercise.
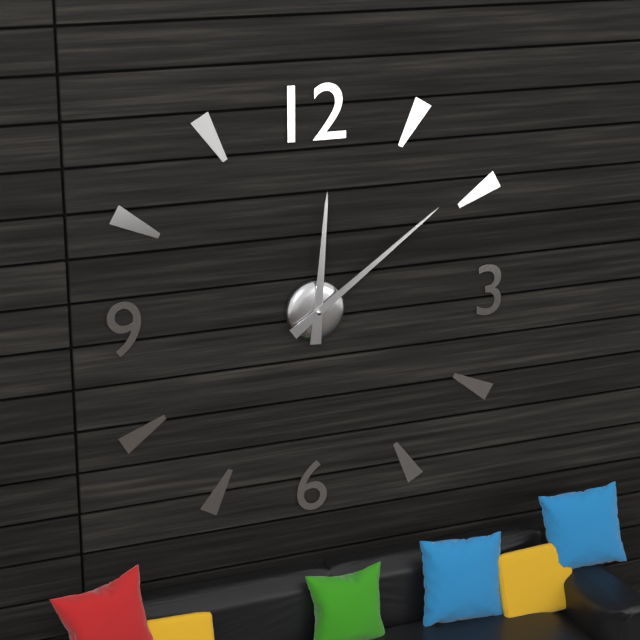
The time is {"hour": 12, "minute": 9}
